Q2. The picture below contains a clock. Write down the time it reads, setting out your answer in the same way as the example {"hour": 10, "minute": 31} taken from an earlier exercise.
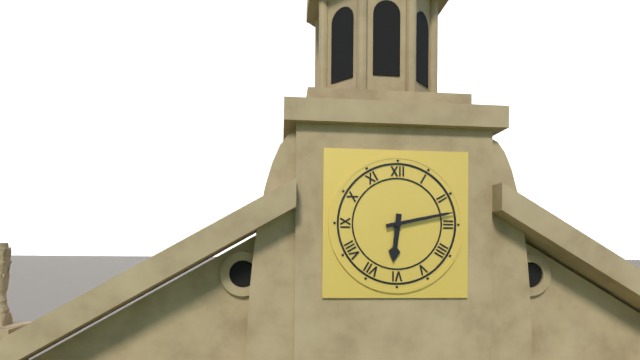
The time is {"hour": 6, "minute": 13}
